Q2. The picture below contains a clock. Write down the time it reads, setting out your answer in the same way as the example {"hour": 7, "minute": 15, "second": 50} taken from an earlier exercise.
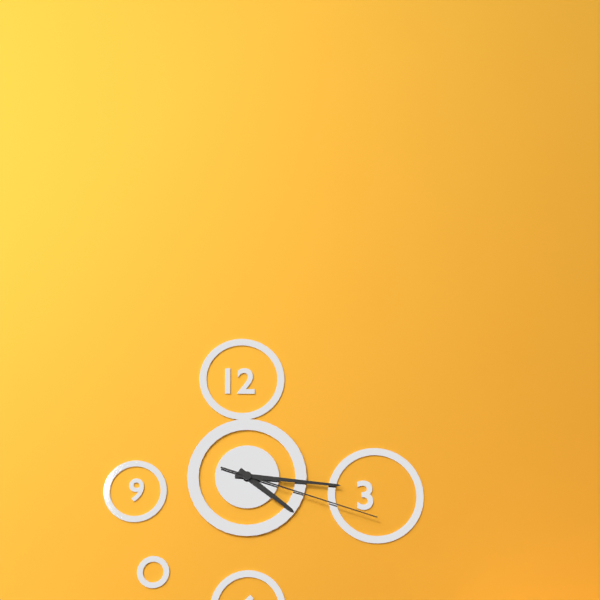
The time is {"hour": 4, "minute": 16, "second": 18}
